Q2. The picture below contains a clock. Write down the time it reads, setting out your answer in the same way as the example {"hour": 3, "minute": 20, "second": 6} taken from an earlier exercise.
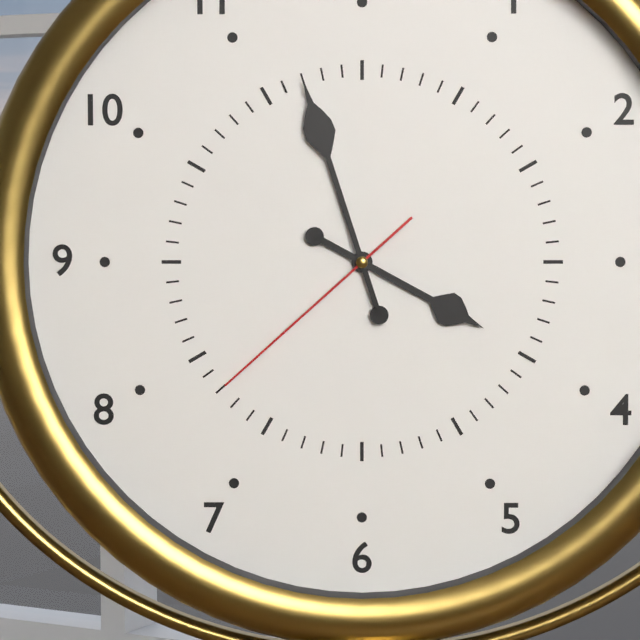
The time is {"hour": 3, "minute": 57, "second": 38}
